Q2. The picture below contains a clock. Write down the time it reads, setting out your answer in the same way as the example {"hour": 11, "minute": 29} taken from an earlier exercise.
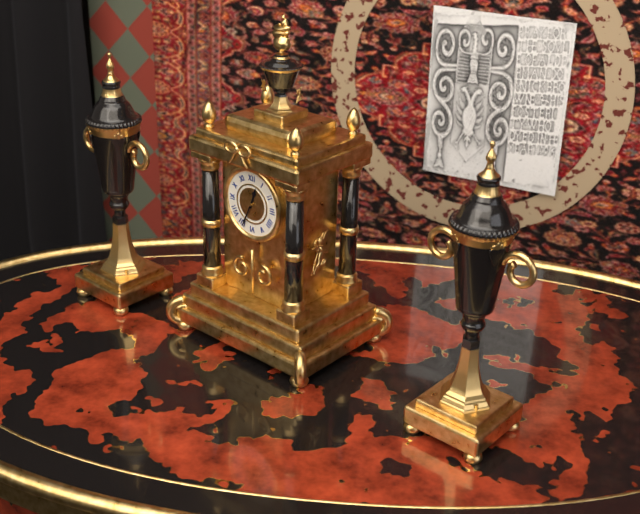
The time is {"hour": 12, "minute": 34}
